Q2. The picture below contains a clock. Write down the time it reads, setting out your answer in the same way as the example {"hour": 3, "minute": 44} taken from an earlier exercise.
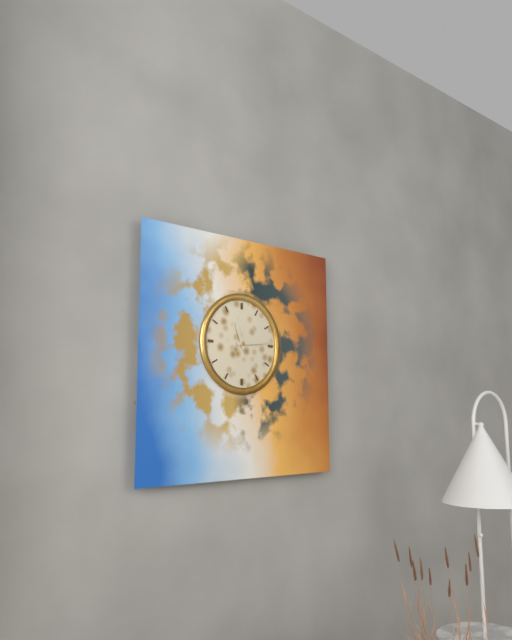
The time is {"hour": 11, "minute": 14}
